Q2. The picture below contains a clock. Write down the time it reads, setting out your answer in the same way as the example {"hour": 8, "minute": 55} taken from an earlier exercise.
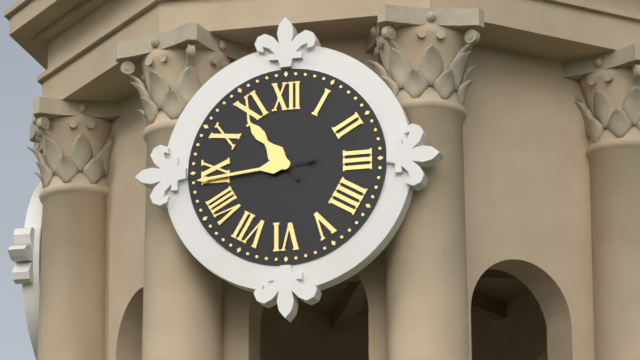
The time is {"hour": 10, "minute": 44}
